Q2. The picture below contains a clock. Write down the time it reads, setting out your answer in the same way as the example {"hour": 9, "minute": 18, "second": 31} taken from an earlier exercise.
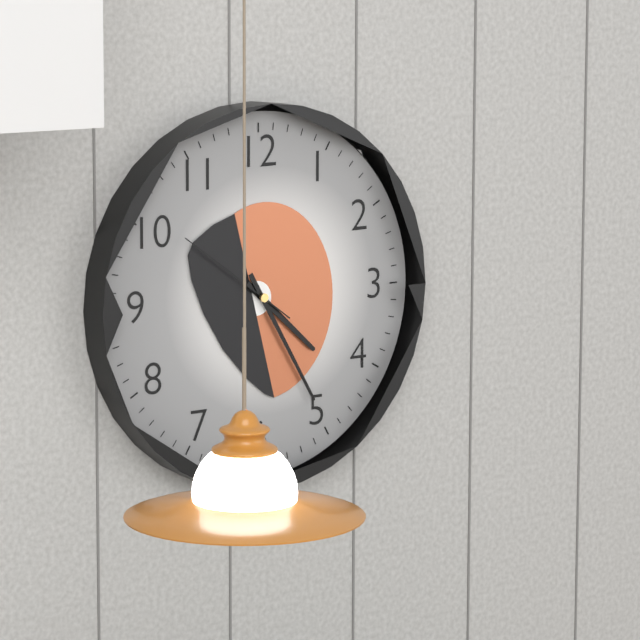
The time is {"hour": 4, "minute": 25, "second": 51}
